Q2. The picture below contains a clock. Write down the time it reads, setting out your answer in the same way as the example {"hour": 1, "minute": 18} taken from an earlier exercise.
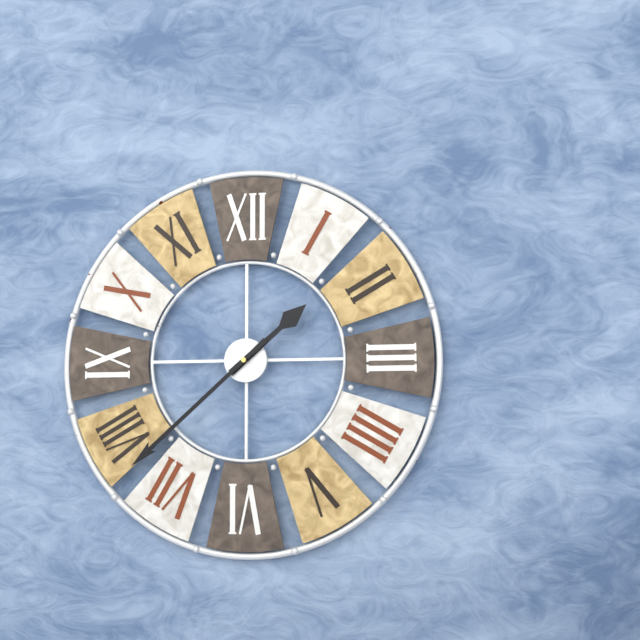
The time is {"hour": 1, "minute": 38}
